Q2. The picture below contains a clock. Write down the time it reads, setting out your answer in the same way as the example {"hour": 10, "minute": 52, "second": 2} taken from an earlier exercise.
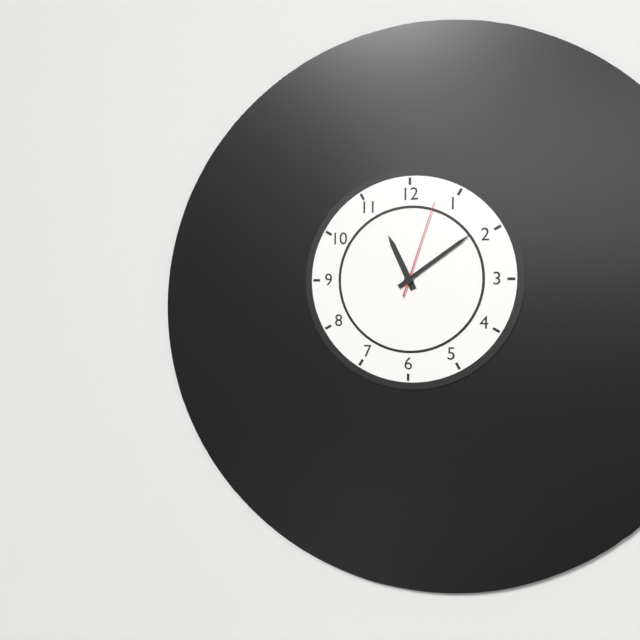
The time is {"hour": 11, "minute": 9, "second": 3}
